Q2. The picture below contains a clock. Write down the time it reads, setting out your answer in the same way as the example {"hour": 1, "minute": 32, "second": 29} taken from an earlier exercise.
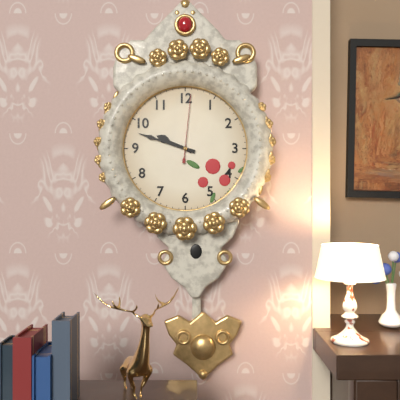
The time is {"hour": 9, "minute": 48, "second": 1}
